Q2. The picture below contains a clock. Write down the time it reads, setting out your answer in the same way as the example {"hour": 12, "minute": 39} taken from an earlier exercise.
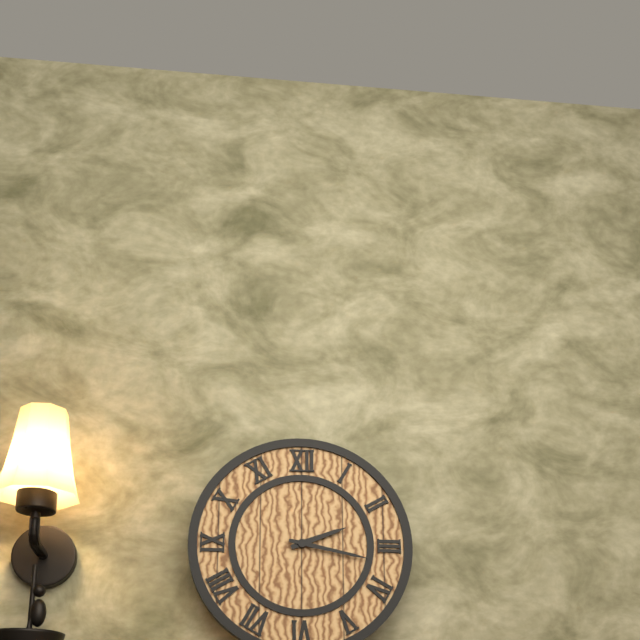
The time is {"hour": 2, "minute": 17}
